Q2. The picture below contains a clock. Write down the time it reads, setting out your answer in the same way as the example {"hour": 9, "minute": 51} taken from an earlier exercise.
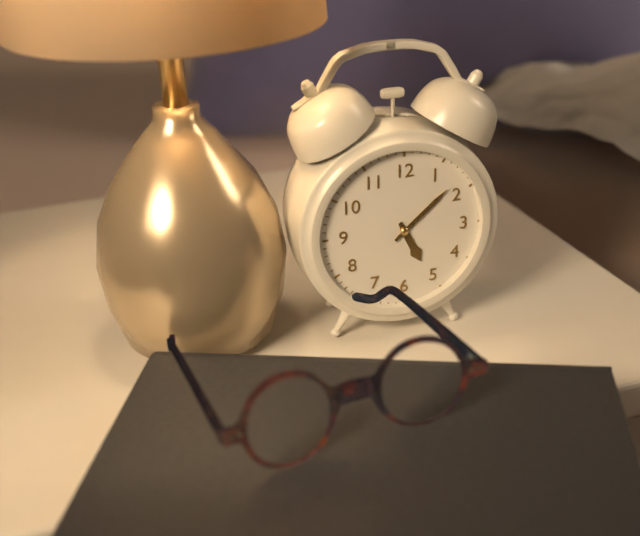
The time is {"hour": 5, "minute": 8}
